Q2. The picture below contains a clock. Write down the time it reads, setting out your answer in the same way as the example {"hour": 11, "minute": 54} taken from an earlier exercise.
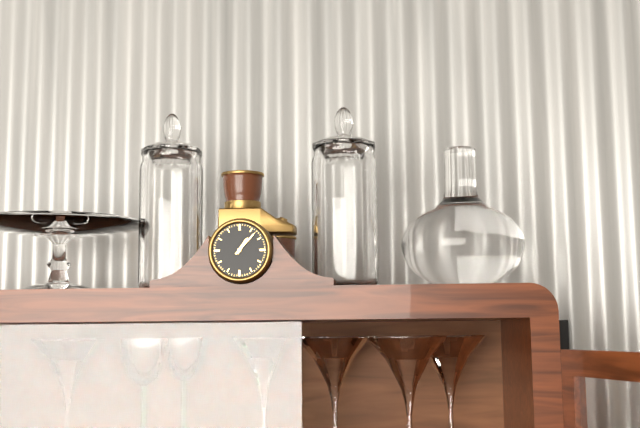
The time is {"hour": 1, "minute": 7}
